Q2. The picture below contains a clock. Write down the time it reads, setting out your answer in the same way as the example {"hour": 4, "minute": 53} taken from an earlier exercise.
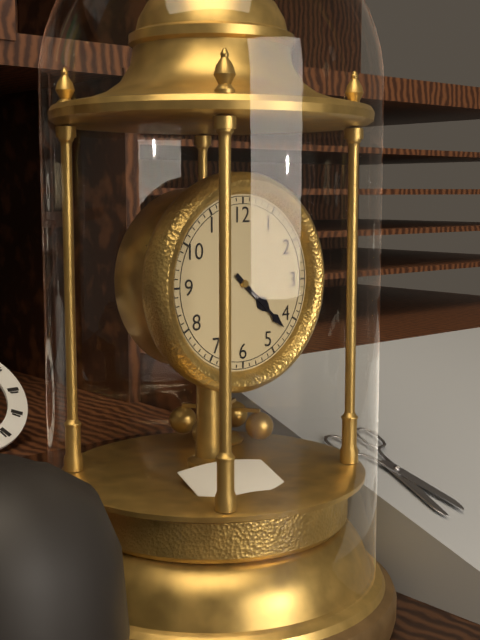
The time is {"hour": 4, "minute": 22}
